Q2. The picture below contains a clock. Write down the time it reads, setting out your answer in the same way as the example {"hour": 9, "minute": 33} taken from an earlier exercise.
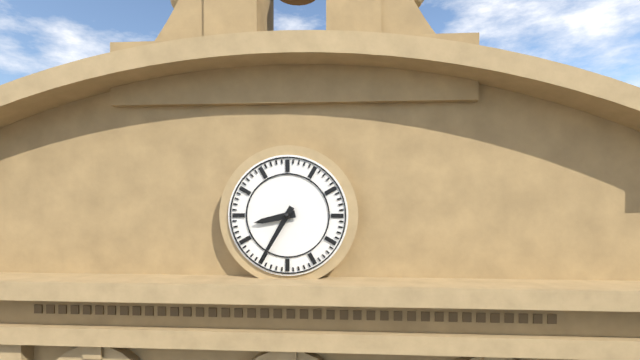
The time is {"hour": 8, "minute": 35}
